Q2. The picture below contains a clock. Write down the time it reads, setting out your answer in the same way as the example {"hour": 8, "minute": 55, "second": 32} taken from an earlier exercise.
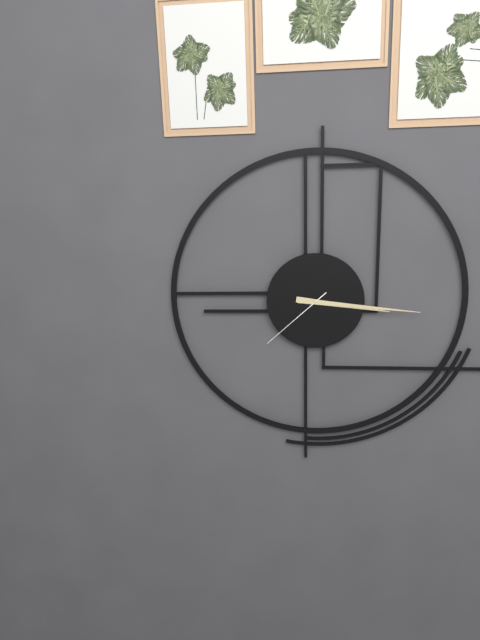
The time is {"hour": 3, "minute": 16, "second": 38}
